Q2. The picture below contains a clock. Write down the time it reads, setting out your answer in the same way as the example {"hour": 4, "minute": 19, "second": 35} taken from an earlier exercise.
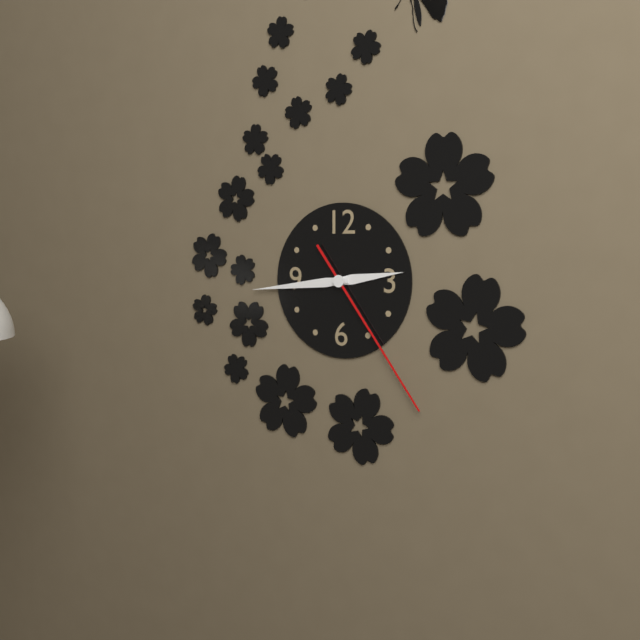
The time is {"hour": 2, "minute": 44, "second": 24}
